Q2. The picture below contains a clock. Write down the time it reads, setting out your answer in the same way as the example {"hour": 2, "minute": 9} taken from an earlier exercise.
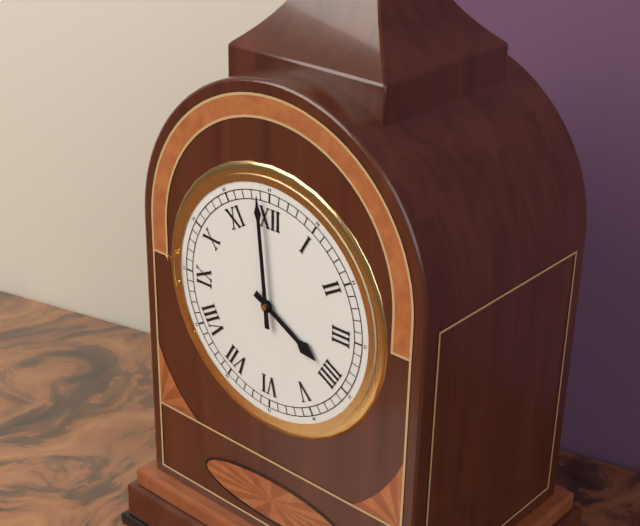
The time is {"hour": 3, "minute": 59}
